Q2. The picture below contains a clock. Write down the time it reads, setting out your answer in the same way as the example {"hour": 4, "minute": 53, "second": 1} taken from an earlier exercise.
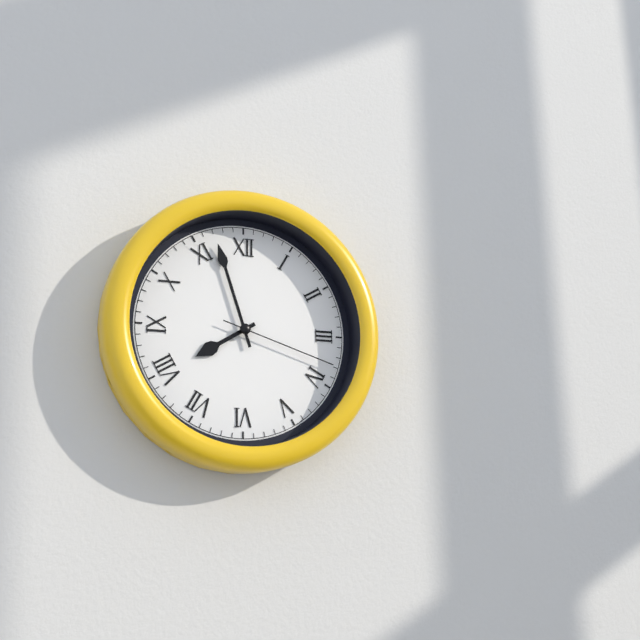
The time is {"hour": 7, "minute": 57, "second": 18}
